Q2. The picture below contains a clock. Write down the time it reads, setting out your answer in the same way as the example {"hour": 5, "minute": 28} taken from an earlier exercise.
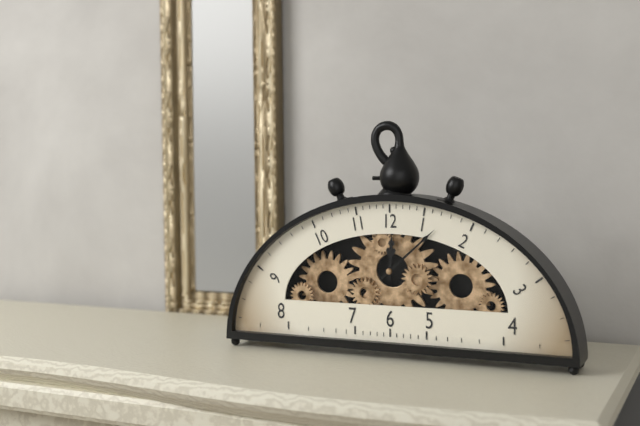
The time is {"hour": 12, "minute": 8}
